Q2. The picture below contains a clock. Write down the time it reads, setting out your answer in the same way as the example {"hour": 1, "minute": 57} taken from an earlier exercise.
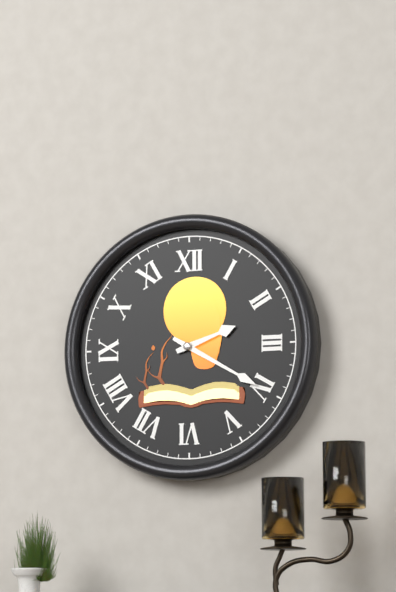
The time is {"hour": 2, "minute": 20}
